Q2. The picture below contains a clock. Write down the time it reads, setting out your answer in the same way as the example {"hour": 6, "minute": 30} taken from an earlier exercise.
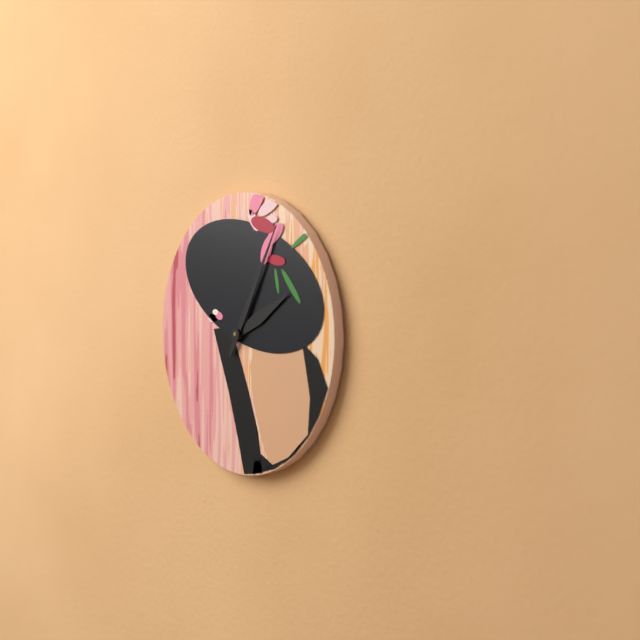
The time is {"hour": 2, "minute": 5}
